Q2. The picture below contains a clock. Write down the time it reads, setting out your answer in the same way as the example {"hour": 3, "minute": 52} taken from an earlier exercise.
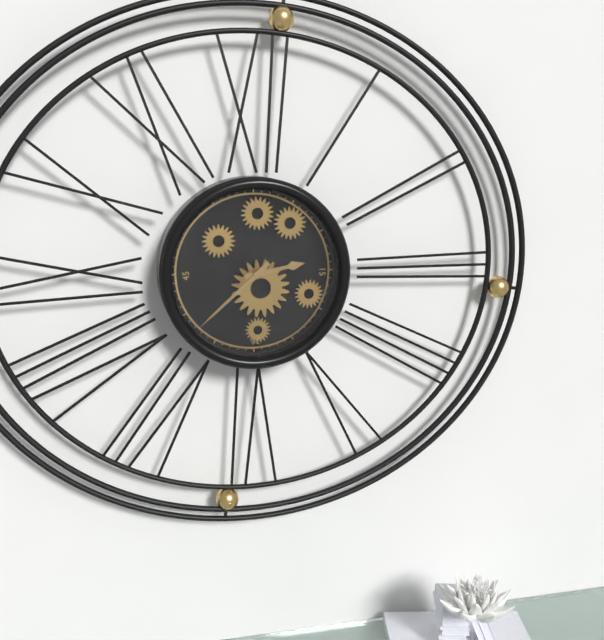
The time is {"hour": 2, "minute": 38}
